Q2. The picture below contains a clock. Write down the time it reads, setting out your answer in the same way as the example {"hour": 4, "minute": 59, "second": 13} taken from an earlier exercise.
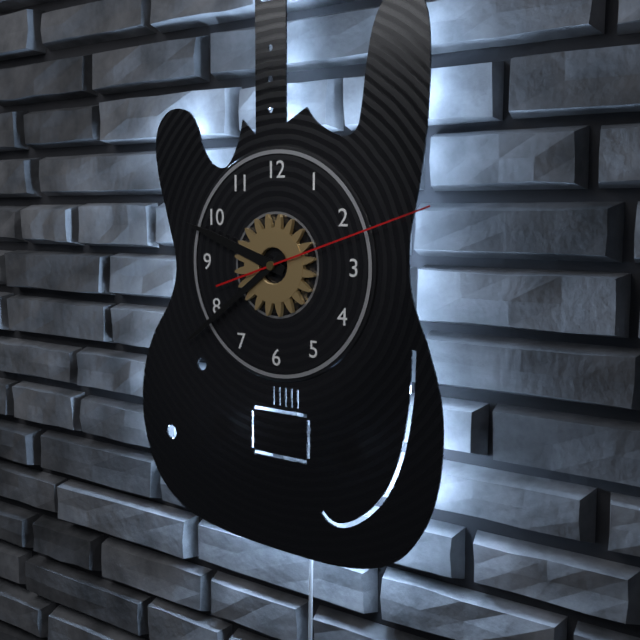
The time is {"hour": 9, "minute": 39, "second": 12}
